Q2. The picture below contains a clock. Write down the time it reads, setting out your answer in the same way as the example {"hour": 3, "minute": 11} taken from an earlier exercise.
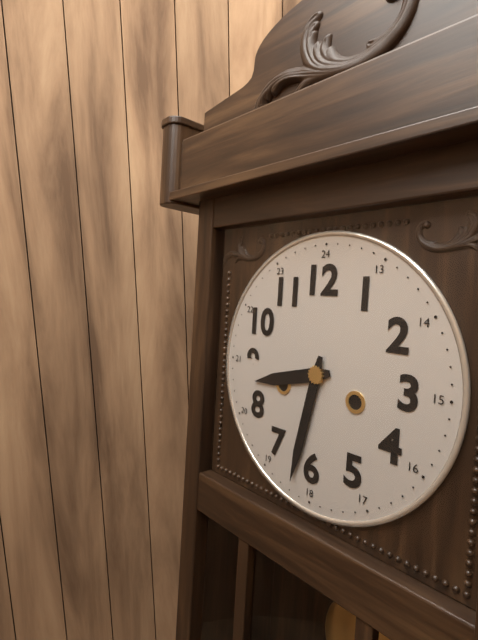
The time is {"hour": 8, "minute": 32}
